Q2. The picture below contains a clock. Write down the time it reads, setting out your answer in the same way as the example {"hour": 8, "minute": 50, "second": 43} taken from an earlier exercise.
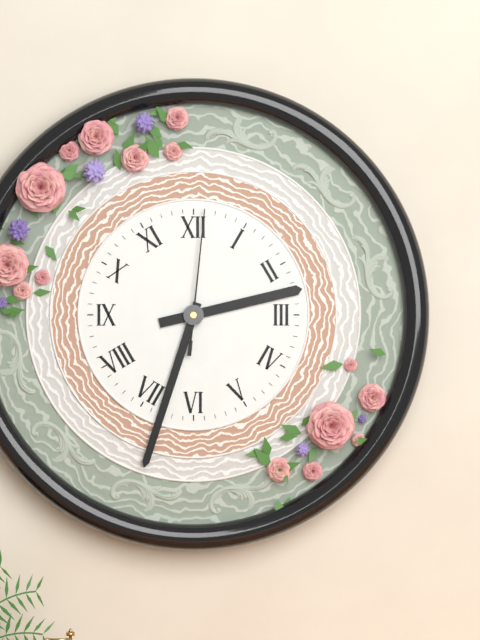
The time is {"hour": 2, "minute": 33, "second": 1}
